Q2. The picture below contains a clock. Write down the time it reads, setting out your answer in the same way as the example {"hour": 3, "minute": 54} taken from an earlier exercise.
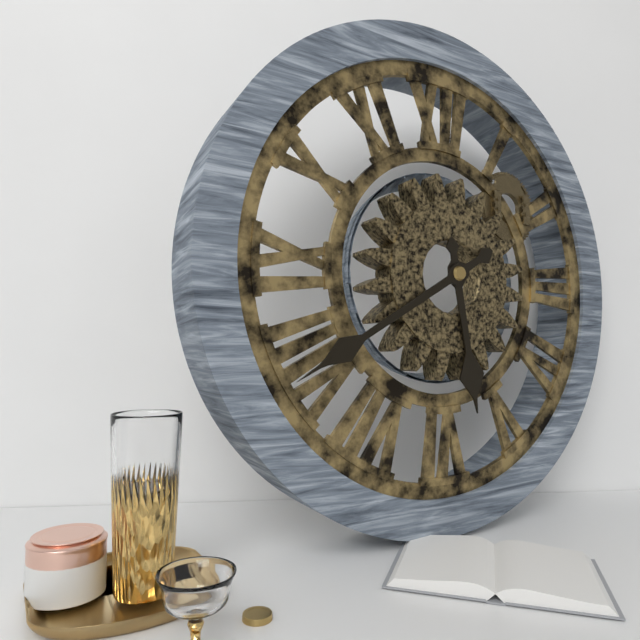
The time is {"hour": 5, "minute": 40}
